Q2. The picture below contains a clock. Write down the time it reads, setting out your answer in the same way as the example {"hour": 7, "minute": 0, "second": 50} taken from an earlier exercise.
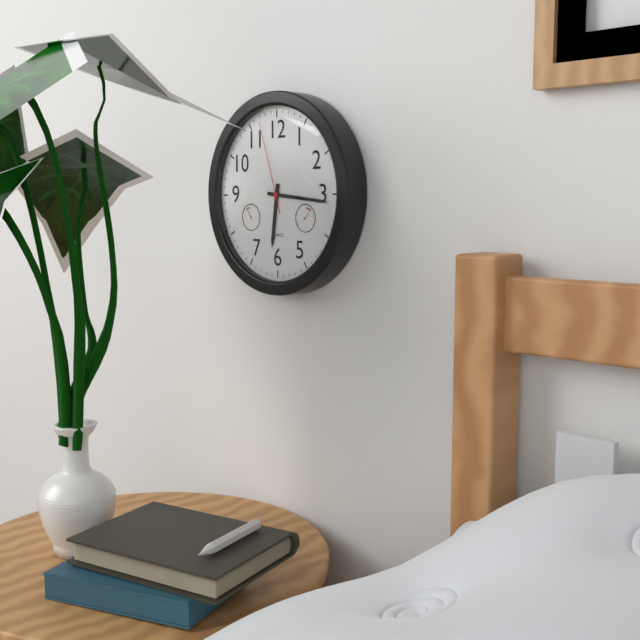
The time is {"hour": 6, "minute": 16, "second": 57}
